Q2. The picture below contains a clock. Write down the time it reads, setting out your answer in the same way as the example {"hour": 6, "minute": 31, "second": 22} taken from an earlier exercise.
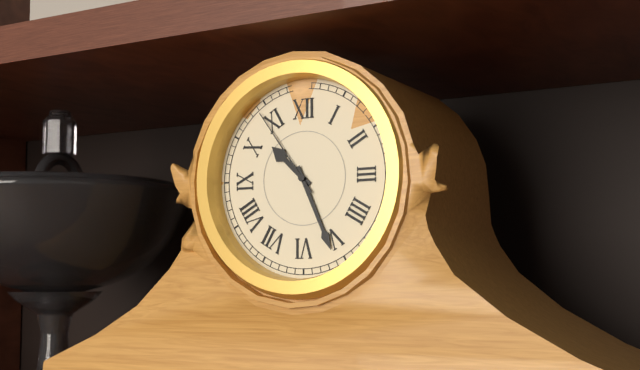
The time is {"hour": 10, "minute": 26, "second": 54}
